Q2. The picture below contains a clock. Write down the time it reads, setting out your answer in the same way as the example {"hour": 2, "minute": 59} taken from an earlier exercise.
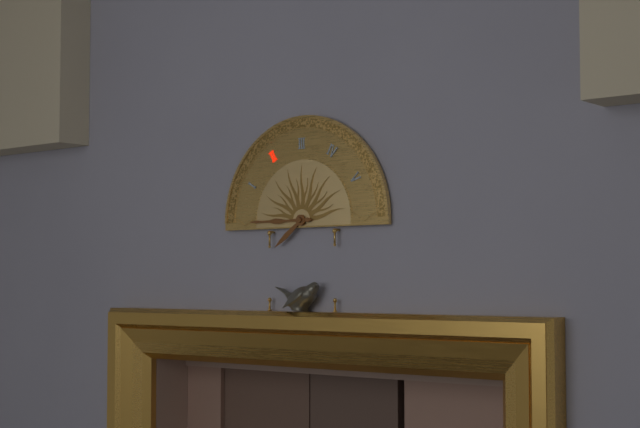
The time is {"hour": 7, "minute": 45}
